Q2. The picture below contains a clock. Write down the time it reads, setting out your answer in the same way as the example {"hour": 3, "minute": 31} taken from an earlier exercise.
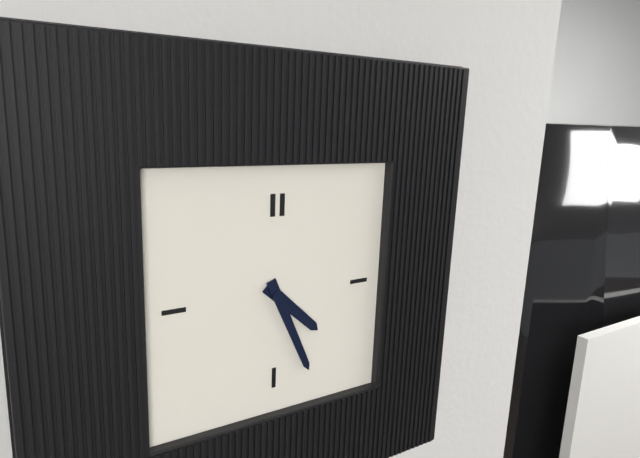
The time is {"hour": 4, "minute": 26}
